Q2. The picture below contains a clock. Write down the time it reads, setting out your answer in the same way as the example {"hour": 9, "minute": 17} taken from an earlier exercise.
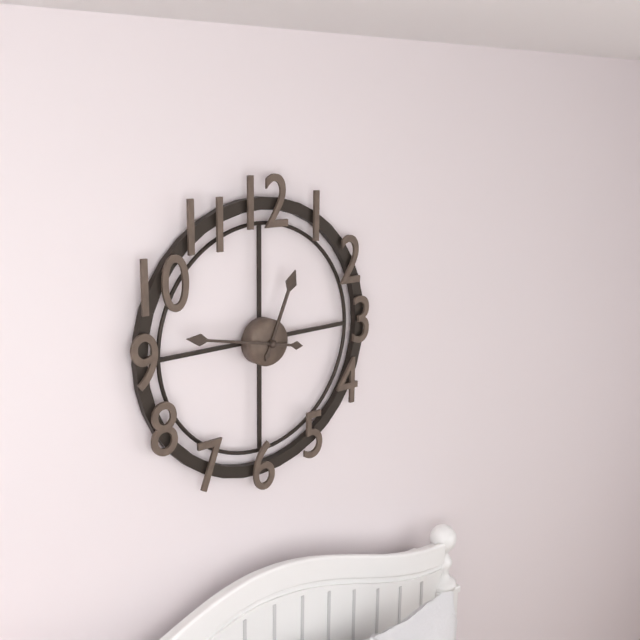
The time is {"hour": 12, "minute": 47}
